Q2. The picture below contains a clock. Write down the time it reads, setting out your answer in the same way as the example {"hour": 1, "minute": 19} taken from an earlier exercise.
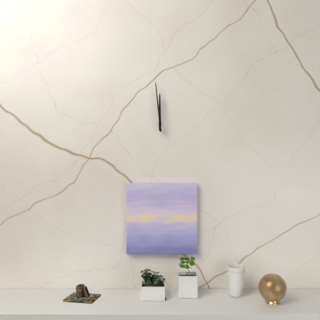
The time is {"hour": 11, "minute": 59}
